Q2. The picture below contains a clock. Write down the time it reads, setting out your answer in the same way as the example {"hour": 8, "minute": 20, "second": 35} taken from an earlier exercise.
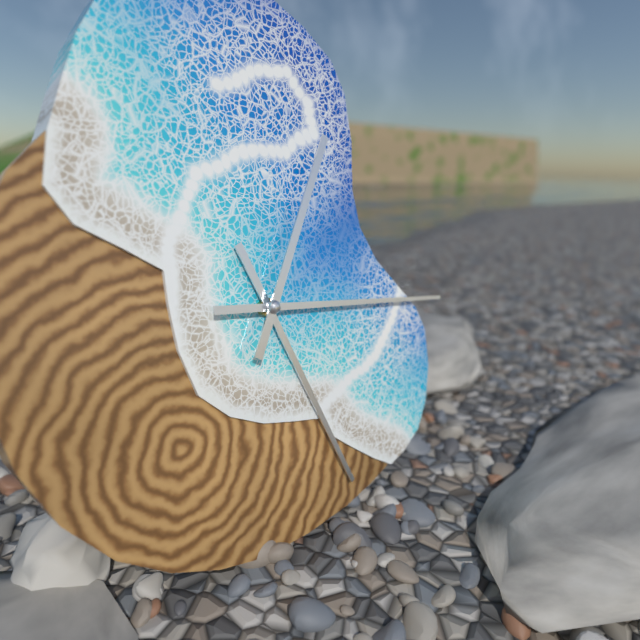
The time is {"hour": 5, "minute": 16, "second": 5}
